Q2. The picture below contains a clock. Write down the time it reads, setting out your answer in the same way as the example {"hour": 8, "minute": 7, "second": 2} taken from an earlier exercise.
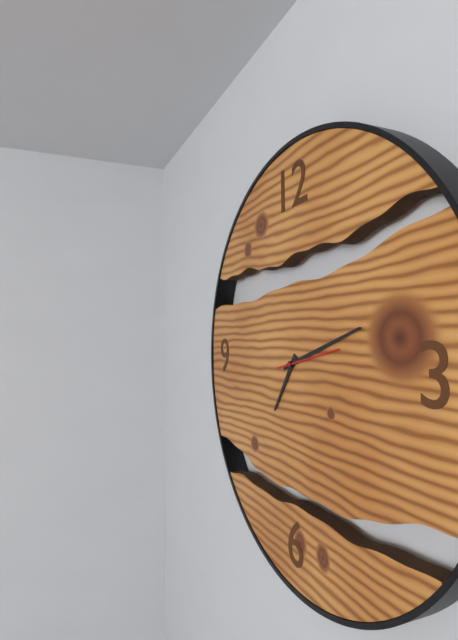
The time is {"hour": 7, "minute": 12, "second": 13}
